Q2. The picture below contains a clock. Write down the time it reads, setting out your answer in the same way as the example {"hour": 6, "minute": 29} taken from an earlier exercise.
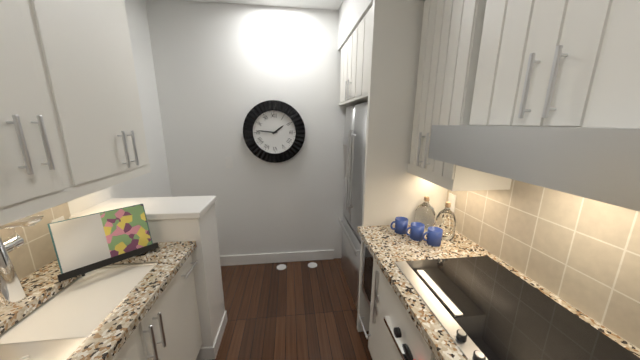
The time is {"hour": 1, "minute": 46}
